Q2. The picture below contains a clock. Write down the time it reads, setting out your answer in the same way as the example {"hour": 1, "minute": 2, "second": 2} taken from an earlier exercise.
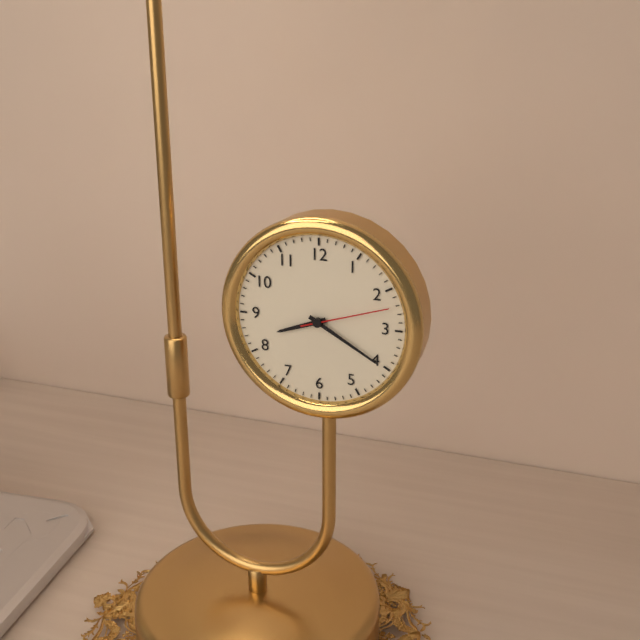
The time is {"hour": 8, "minute": 20, "second": 12}
